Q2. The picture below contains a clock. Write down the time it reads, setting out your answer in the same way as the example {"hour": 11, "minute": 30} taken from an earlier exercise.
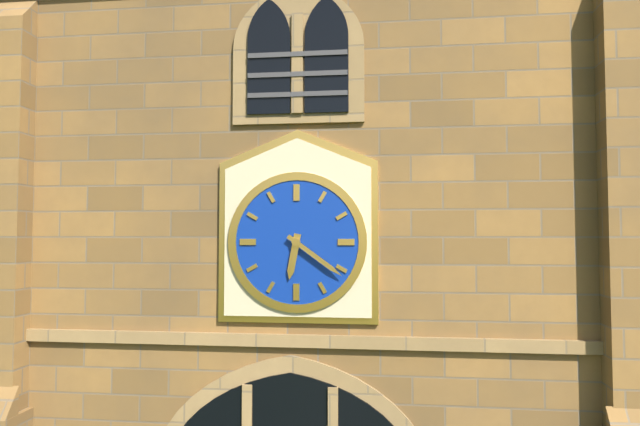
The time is {"hour": 6, "minute": 21}
